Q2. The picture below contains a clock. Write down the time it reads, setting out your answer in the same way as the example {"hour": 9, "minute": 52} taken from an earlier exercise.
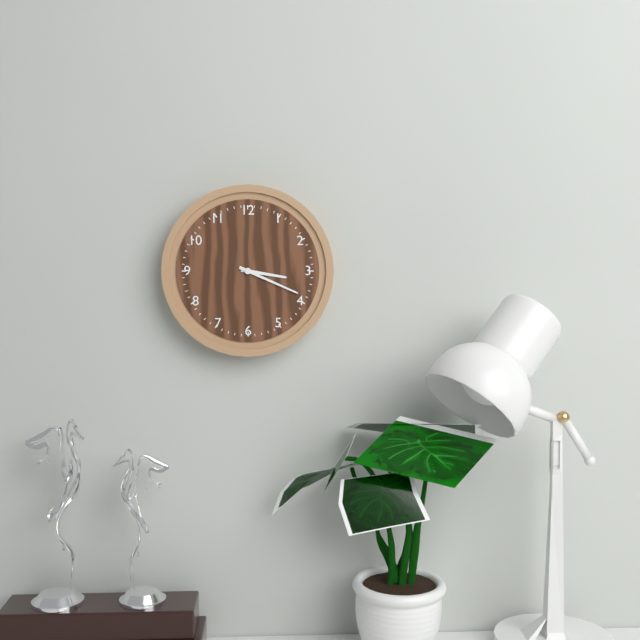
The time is {"hour": 3, "minute": 19}
